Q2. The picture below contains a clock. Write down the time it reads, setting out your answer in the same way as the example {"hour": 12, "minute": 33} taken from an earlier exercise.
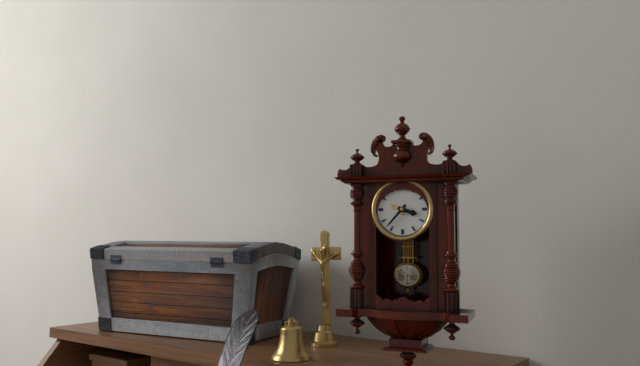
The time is {"hour": 3, "minute": 37}
